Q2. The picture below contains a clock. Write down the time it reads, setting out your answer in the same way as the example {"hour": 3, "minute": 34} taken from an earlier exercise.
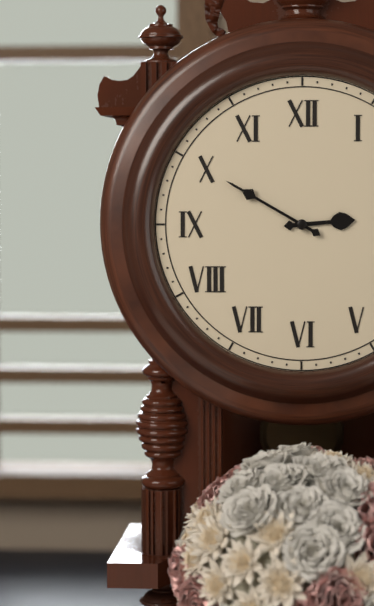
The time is {"hour": 2, "minute": 50}
